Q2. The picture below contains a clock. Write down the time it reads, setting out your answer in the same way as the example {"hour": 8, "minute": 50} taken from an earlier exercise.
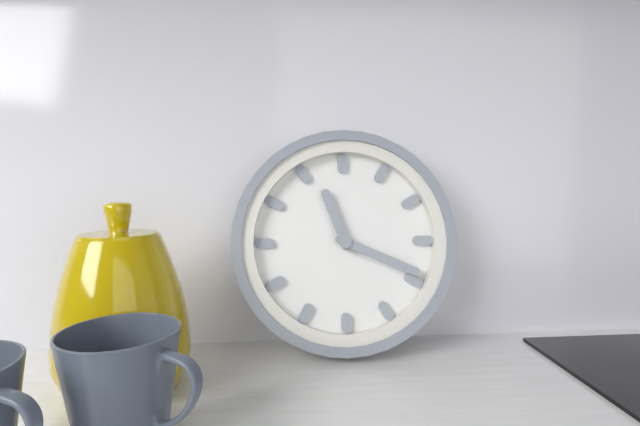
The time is {"hour": 11, "minute": 19}
